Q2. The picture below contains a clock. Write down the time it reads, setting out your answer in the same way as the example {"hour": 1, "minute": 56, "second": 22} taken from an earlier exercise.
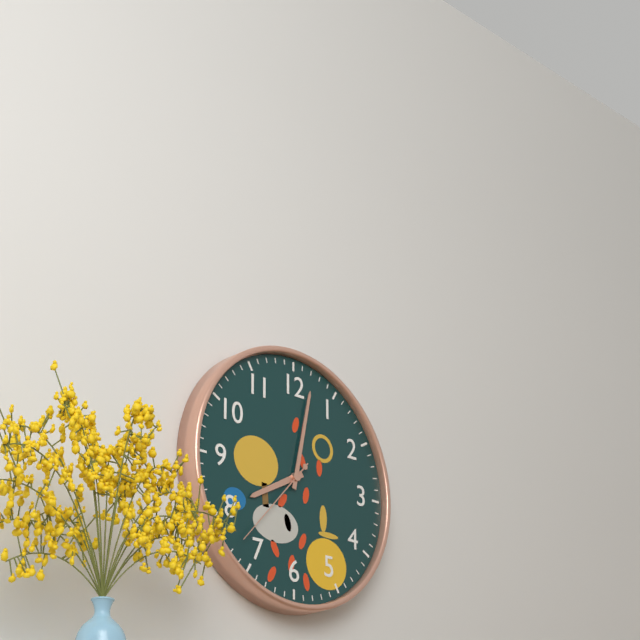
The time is {"hour": 8, "minute": 2, "second": 37}
